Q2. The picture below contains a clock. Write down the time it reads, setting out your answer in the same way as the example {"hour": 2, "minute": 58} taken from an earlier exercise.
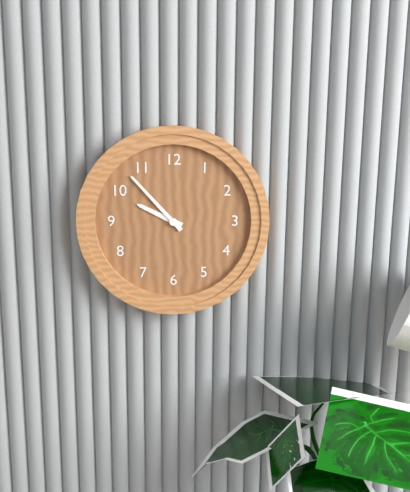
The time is {"hour": 9, "minute": 53}
